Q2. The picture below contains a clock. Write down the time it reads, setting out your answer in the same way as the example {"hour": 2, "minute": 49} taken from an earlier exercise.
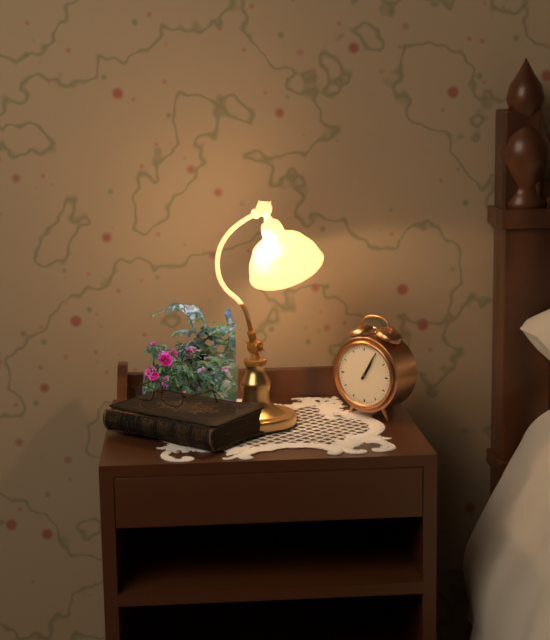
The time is {"hour": 1, "minute": 5}
